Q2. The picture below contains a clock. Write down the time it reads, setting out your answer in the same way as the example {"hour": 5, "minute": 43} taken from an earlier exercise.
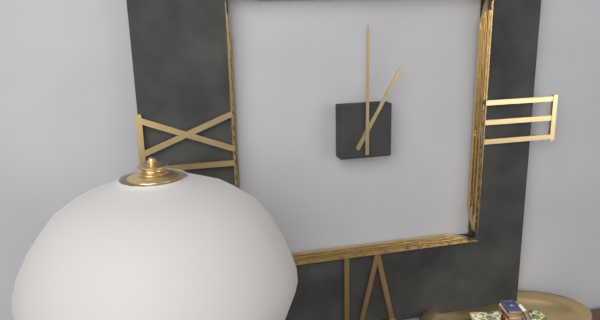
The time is {"hour": 1, "minute": 0}
